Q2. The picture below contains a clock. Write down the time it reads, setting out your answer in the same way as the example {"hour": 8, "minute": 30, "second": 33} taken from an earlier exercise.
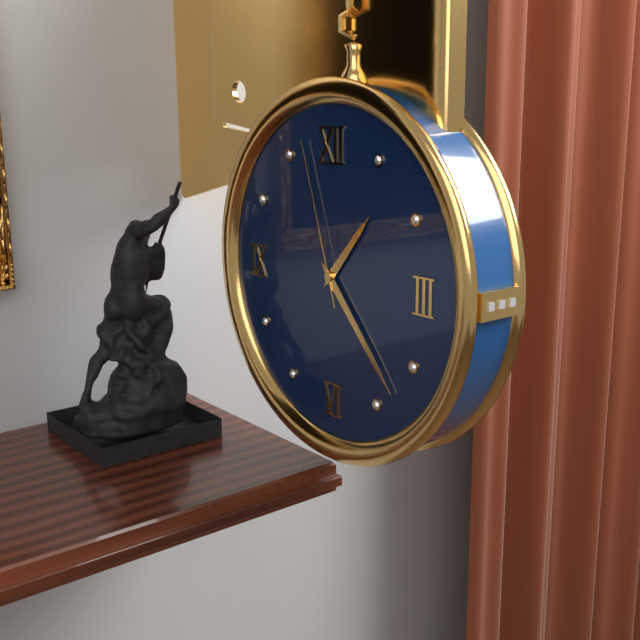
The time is {"hour": 1, "minute": 23, "second": 57}
